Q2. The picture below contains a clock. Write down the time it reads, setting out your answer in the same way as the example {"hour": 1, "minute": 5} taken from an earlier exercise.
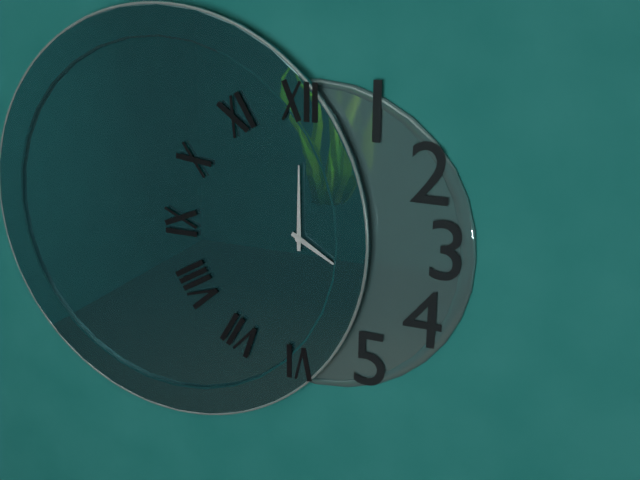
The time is {"hour": 4, "minute": 0}
